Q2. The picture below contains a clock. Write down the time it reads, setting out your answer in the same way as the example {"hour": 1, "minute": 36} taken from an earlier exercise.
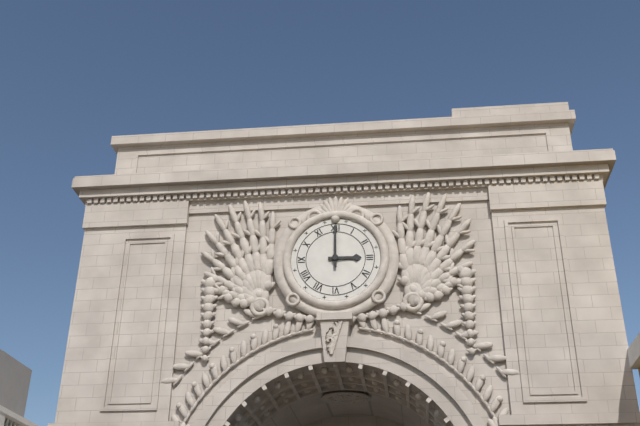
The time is {"hour": 3, "minute": 0}
